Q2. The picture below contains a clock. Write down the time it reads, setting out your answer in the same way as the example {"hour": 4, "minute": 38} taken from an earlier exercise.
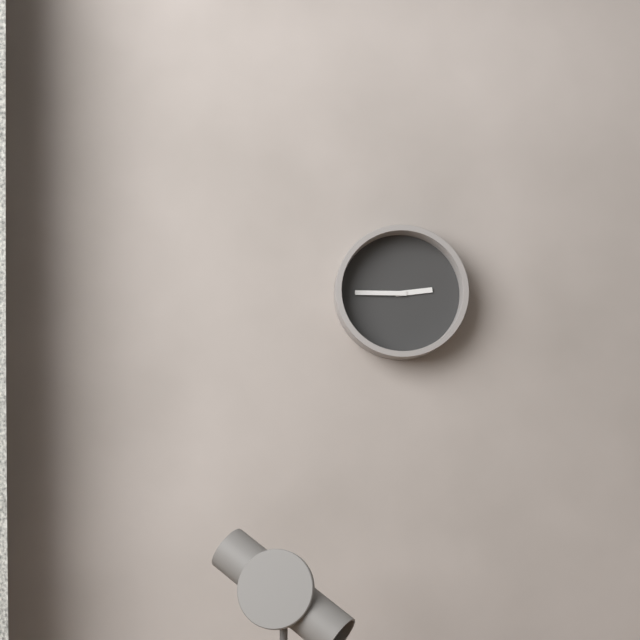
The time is {"hour": 2, "minute": 45}
